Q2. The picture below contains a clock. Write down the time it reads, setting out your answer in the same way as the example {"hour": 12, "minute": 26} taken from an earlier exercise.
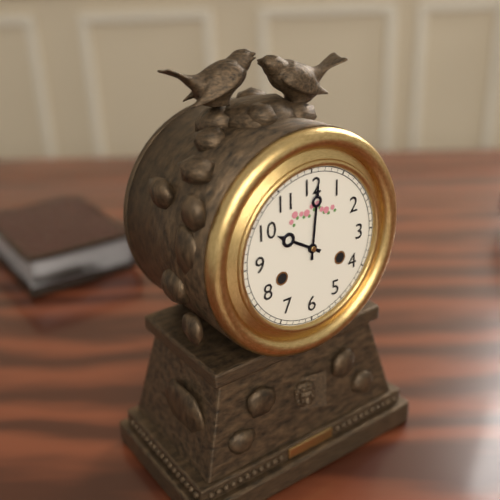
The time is {"hour": 10, "minute": 1}
